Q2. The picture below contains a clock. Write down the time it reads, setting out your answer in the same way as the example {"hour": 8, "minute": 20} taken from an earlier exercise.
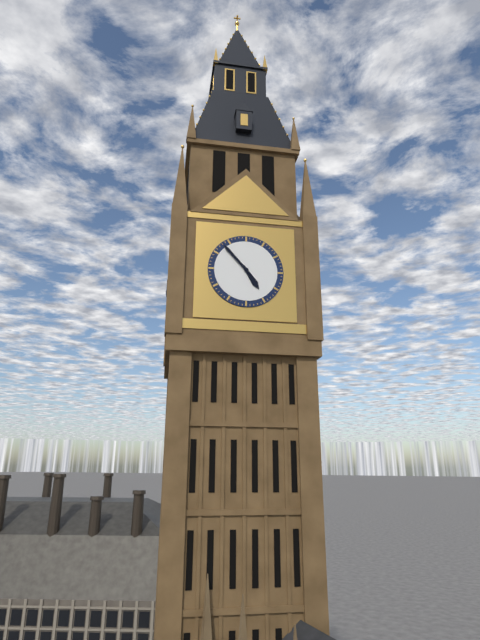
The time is {"hour": 4, "minute": 53}
